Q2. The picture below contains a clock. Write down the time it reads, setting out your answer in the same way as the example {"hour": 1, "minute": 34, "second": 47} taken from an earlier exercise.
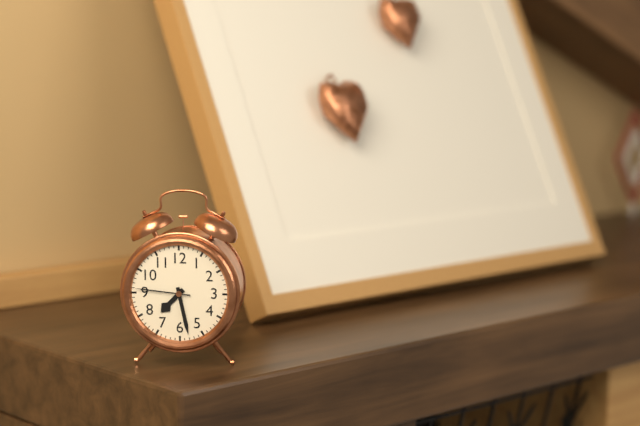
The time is {"hour": 7, "minute": 28, "second": 46}
